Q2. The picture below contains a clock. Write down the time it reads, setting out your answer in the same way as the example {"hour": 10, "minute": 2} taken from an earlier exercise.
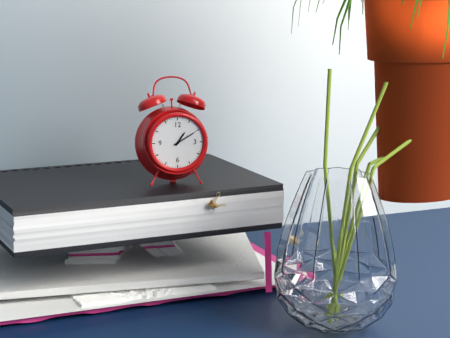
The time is {"hour": 1, "minute": 10}
